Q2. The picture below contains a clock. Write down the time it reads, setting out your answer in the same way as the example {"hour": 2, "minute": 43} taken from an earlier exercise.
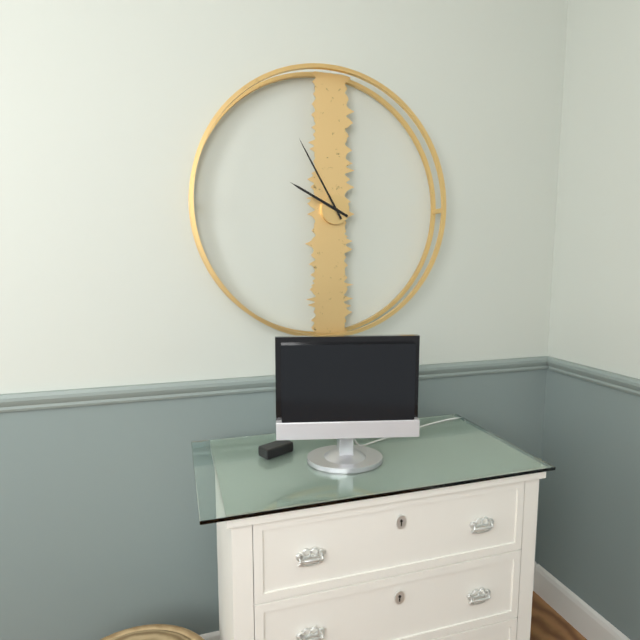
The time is {"hour": 9, "minute": 55}
